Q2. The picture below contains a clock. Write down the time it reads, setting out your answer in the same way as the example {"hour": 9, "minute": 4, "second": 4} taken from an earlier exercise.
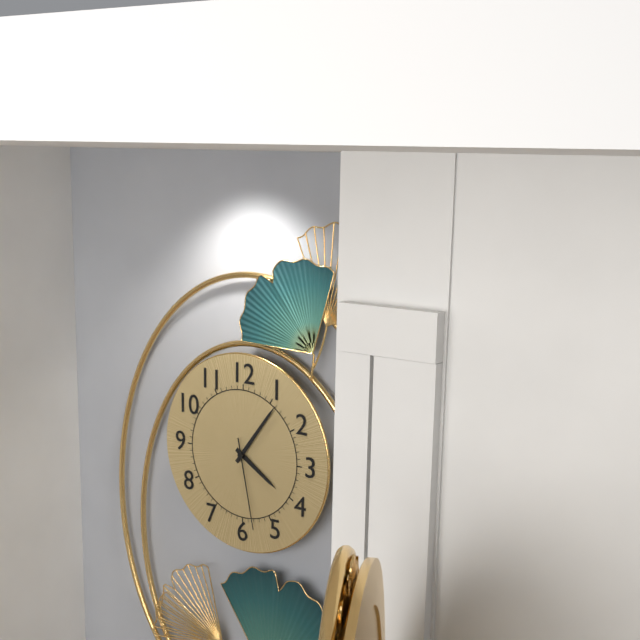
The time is {"hour": 4, "minute": 6, "second": 28}
